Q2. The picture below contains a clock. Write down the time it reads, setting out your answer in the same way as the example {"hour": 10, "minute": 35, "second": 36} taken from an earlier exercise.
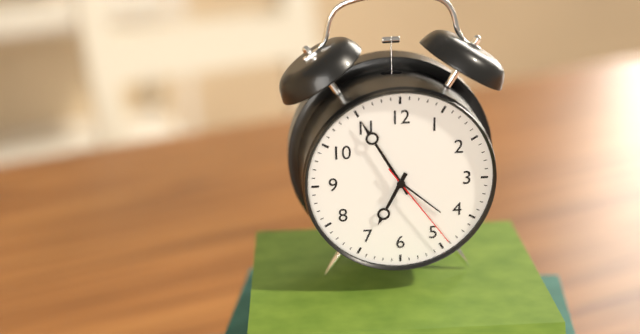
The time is {"hour": 6, "minute": 55, "second": 24}
